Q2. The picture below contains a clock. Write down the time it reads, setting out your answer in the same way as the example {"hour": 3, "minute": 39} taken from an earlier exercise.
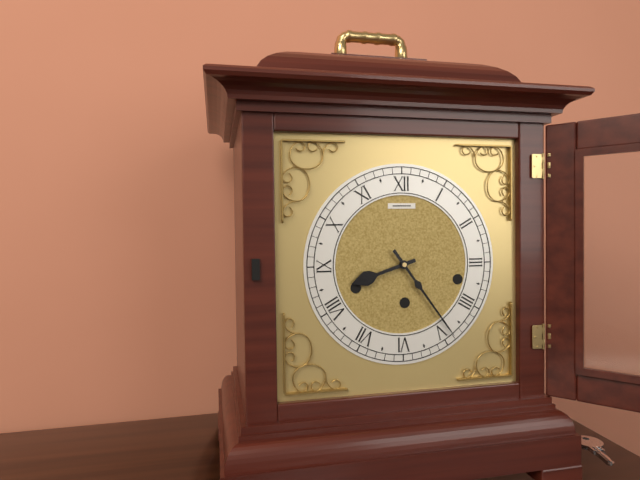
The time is {"hour": 8, "minute": 24}
